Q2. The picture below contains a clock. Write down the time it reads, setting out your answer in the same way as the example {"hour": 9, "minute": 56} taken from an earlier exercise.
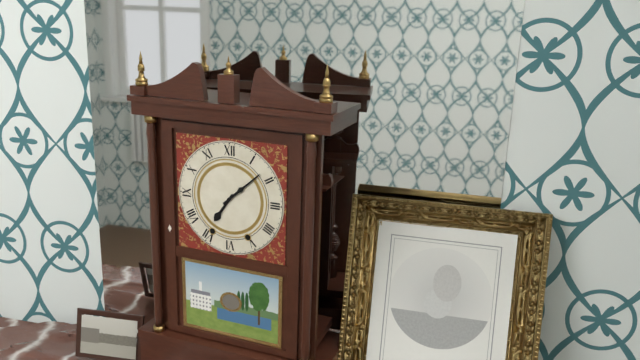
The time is {"hour": 7, "minute": 8}
